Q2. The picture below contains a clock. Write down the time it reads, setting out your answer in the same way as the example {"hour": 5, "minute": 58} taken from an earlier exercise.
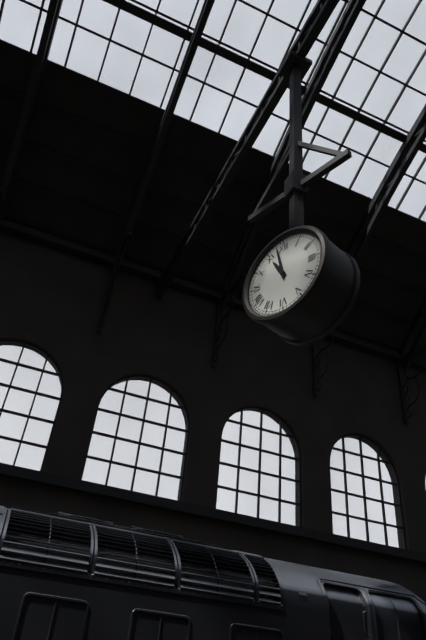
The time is {"hour": 10, "minute": 58}
